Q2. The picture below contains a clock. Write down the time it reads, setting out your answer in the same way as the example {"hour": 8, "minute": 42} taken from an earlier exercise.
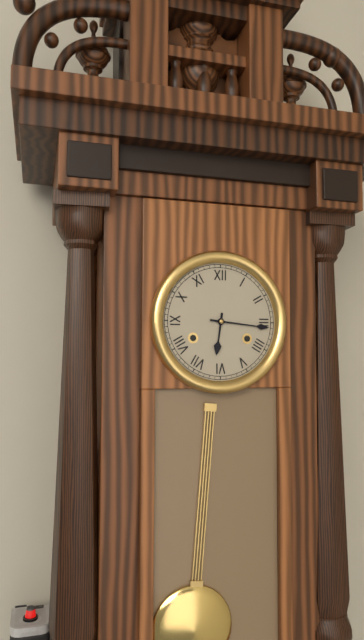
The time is {"hour": 6, "minute": 16}
